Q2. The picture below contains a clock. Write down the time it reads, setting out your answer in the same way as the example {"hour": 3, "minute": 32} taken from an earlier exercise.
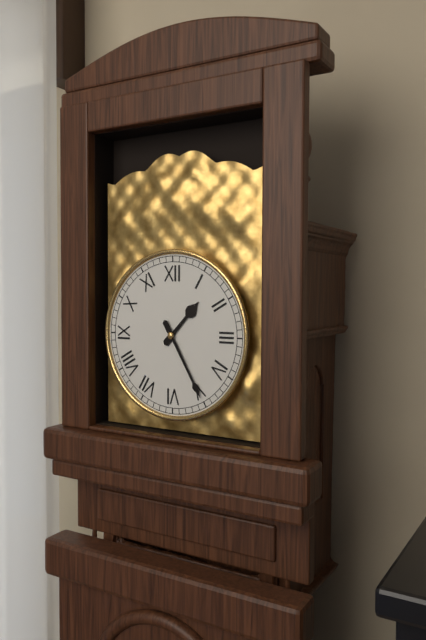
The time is {"hour": 1, "minute": 25}
